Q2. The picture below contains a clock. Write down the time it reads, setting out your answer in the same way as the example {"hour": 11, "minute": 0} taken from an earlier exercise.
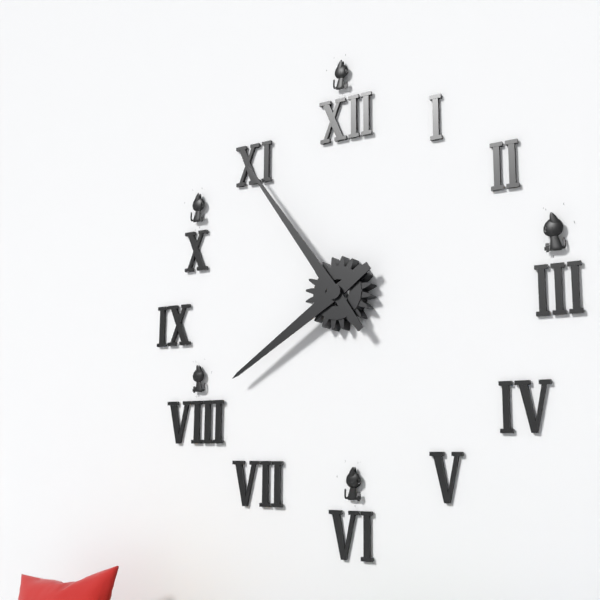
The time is {"hour": 7, "minute": 54}
